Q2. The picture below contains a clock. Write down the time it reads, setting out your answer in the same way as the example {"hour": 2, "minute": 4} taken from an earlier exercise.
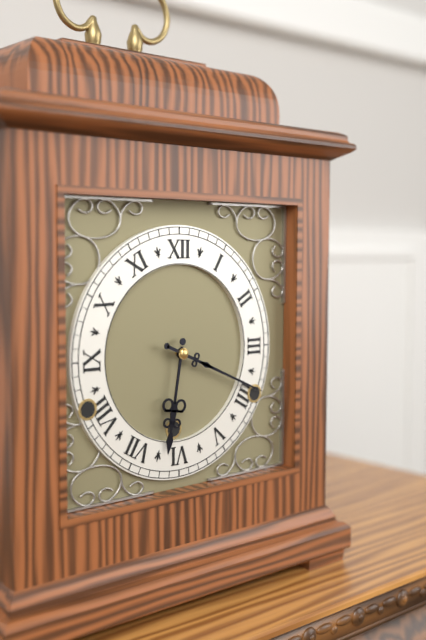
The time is {"hour": 6, "minute": 19}
